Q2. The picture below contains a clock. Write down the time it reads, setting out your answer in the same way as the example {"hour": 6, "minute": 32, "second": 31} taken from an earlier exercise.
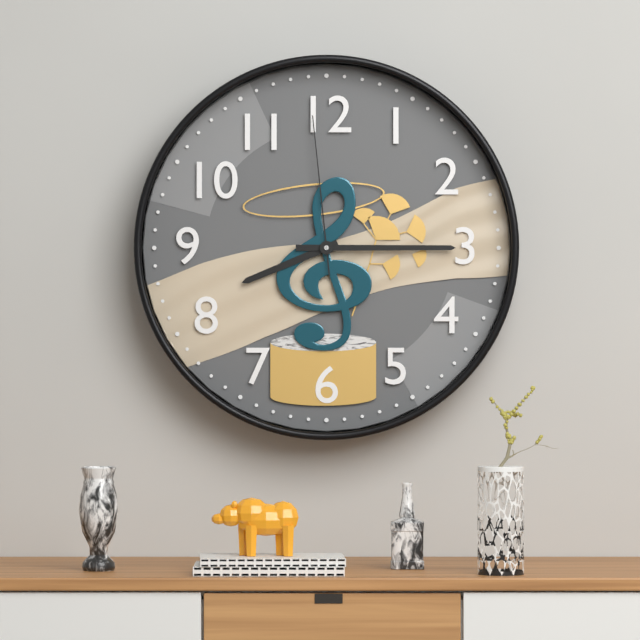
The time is {"hour": 8, "minute": 15, "second": 59}
